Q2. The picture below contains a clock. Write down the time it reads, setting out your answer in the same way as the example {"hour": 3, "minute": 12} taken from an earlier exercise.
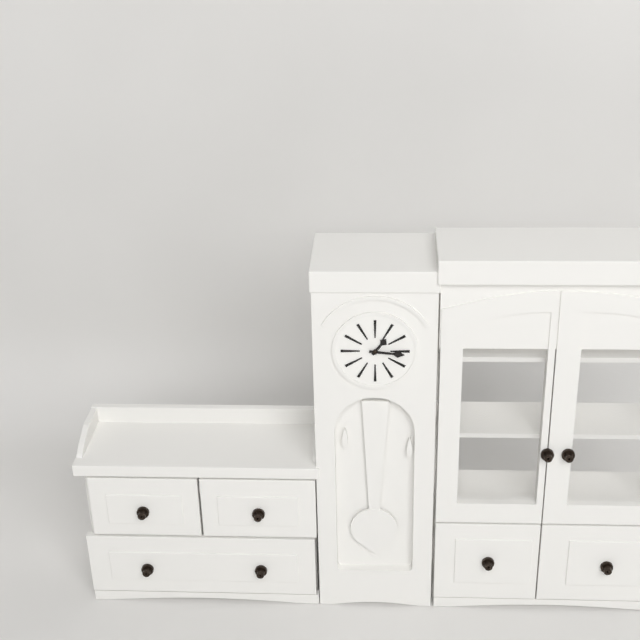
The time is {"hour": 1, "minute": 16}
